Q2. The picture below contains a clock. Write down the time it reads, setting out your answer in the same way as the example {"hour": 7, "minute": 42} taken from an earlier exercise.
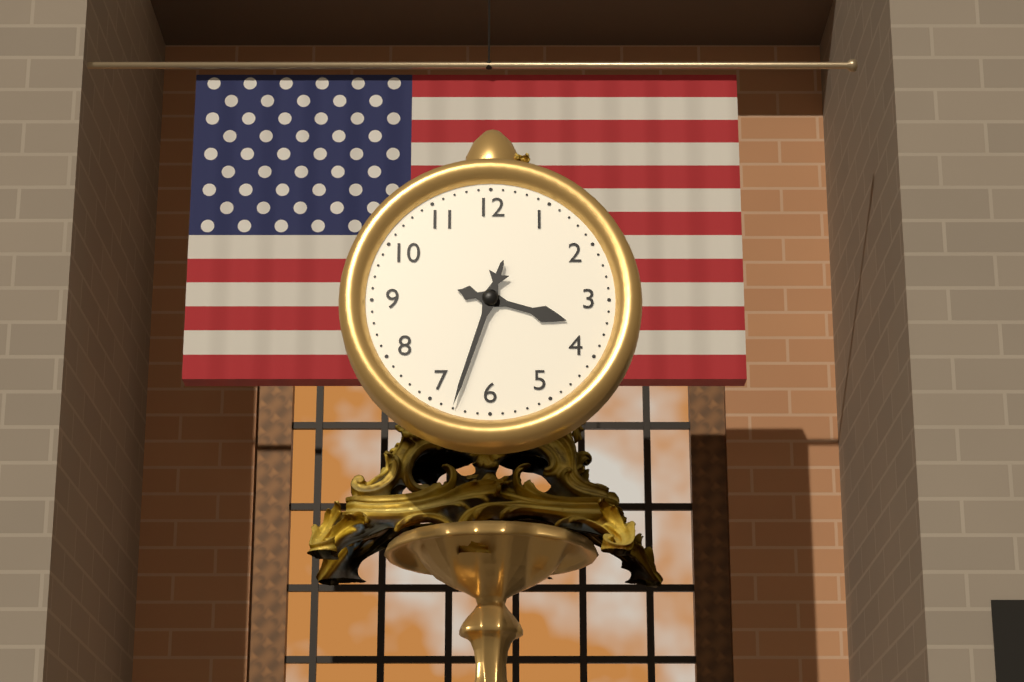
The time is {"hour": 3, "minute": 33}
